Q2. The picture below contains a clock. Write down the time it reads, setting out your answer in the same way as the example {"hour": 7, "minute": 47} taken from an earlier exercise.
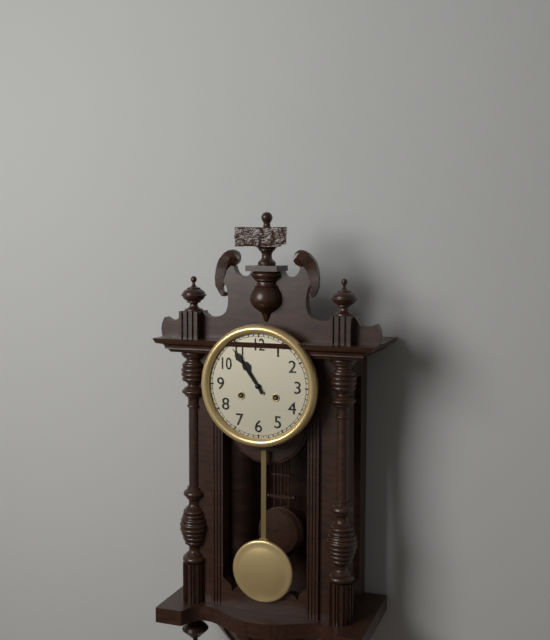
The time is {"hour": 10, "minute": 54}
